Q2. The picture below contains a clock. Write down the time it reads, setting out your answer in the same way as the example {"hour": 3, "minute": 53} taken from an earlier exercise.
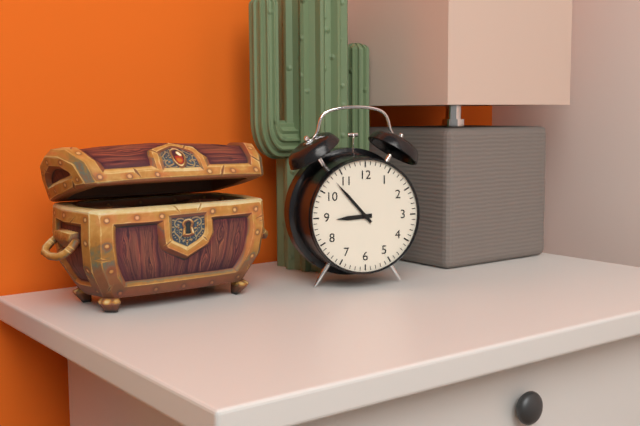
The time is {"hour": 8, "minute": 53}
